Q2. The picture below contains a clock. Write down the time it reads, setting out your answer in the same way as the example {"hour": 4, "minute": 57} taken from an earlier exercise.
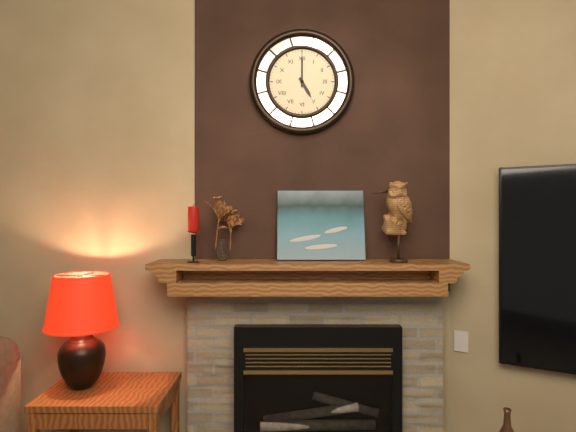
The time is {"hour": 5, "minute": 0}
